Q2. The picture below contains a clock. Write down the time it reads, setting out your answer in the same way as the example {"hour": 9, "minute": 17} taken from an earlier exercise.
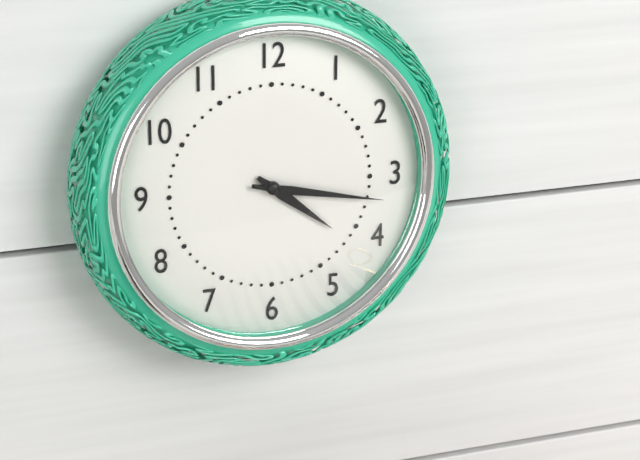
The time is {"hour": 4, "minute": 17}
